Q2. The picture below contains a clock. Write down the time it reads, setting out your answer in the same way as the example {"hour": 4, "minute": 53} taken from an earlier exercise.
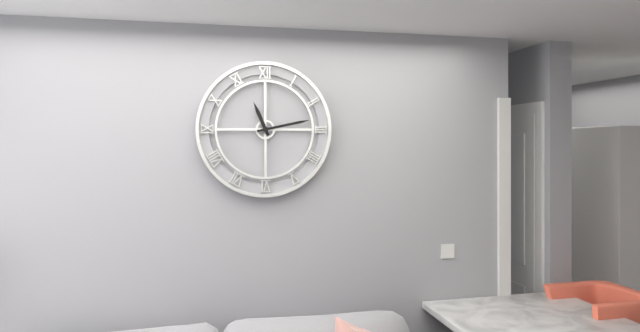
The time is {"hour": 11, "minute": 13}
